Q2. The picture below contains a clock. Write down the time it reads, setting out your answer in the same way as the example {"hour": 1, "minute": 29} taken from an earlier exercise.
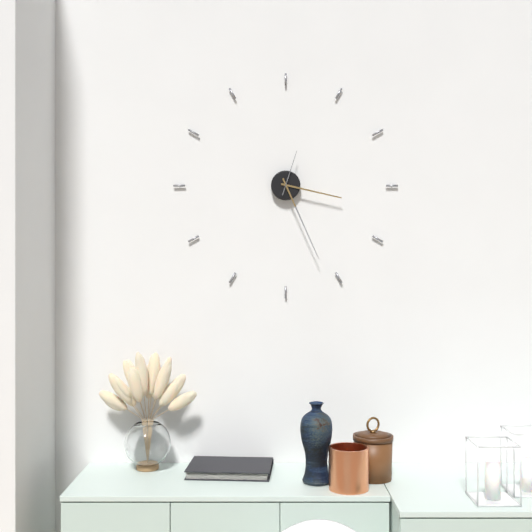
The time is {"hour": 3, "minute": 26}
